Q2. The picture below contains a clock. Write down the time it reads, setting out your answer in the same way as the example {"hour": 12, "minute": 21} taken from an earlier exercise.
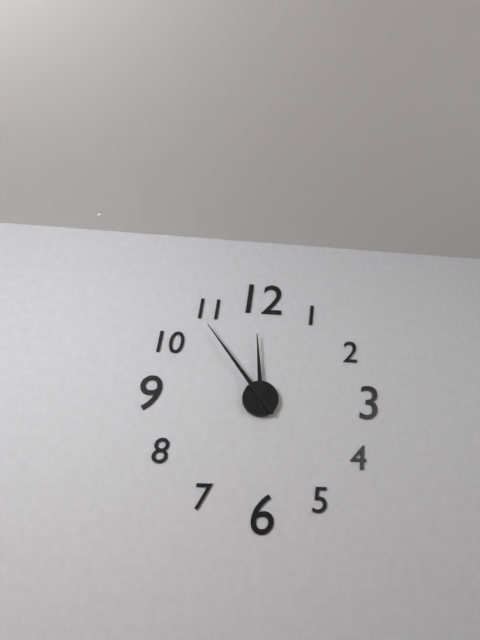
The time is {"hour": 11, "minute": 54}
